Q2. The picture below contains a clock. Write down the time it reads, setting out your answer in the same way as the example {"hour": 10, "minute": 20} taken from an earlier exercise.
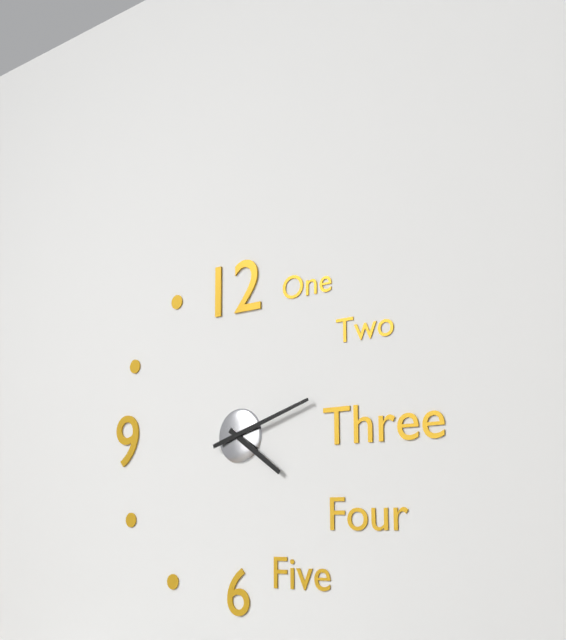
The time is {"hour": 4, "minute": 12}
